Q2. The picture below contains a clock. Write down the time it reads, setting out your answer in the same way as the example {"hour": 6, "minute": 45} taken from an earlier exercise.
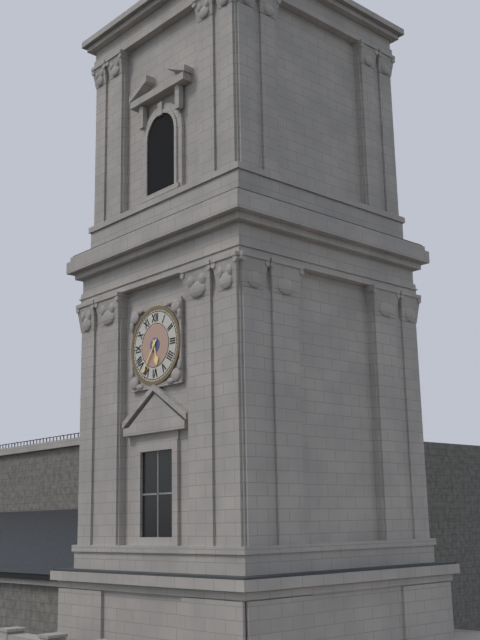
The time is {"hour": 5, "minute": 36}
